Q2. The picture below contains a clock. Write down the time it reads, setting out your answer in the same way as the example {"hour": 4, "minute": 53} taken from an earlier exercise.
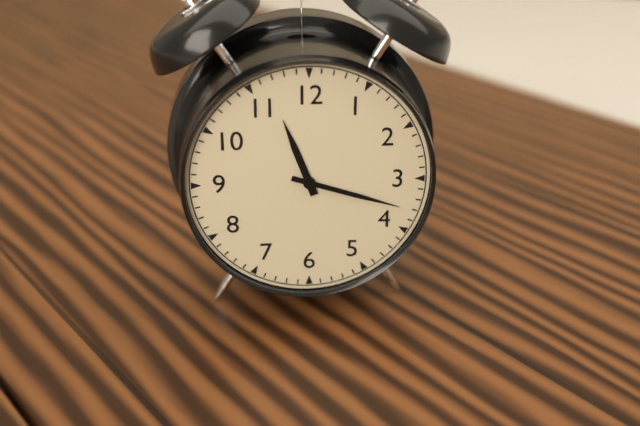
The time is {"hour": 11, "minute": 18}
